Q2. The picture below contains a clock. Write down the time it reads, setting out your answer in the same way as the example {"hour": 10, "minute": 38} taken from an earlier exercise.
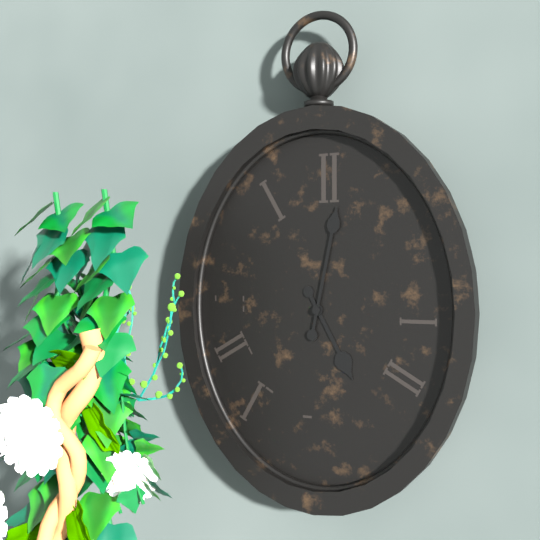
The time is {"hour": 5, "minute": 2}
